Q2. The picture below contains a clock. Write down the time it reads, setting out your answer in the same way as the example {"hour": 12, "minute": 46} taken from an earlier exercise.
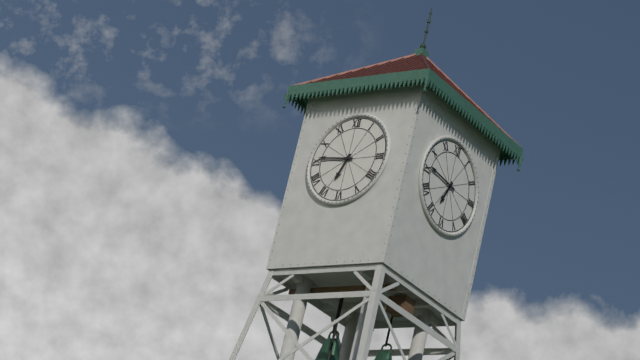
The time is {"hour": 6, "minute": 46}
